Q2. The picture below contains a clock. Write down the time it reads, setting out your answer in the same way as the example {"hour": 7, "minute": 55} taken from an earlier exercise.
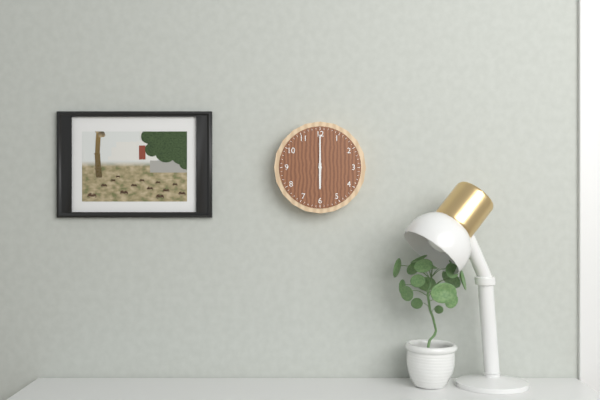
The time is {"hour": 6, "minute": 0}
